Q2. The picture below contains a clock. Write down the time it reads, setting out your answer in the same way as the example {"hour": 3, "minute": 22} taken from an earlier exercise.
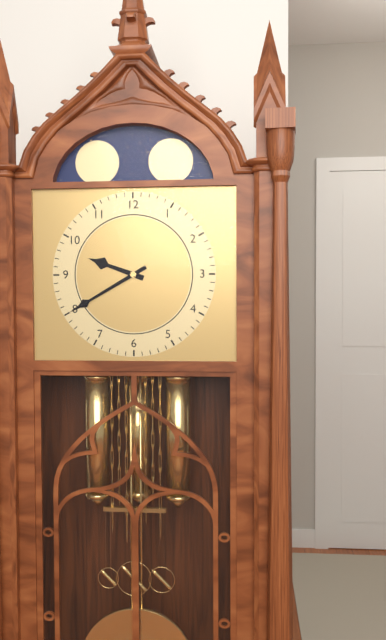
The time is {"hour": 9, "minute": 40}
